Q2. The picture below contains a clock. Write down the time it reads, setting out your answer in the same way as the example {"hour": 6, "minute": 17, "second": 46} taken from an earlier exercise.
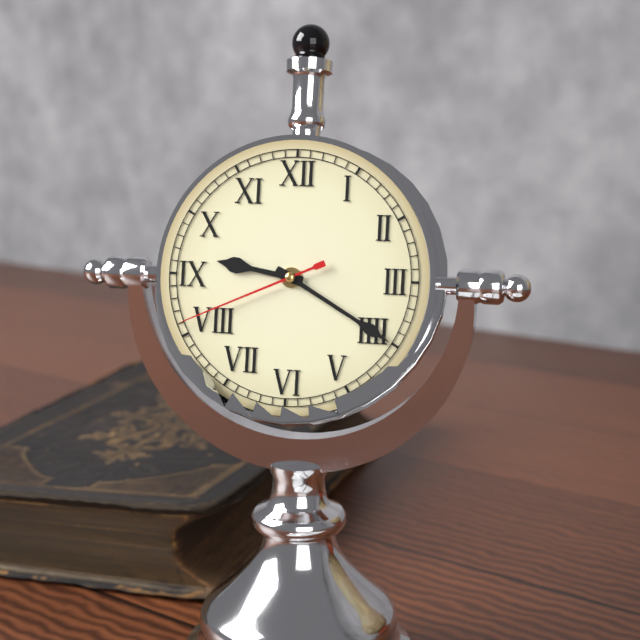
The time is {"hour": 9, "minute": 20, "second": 41}
